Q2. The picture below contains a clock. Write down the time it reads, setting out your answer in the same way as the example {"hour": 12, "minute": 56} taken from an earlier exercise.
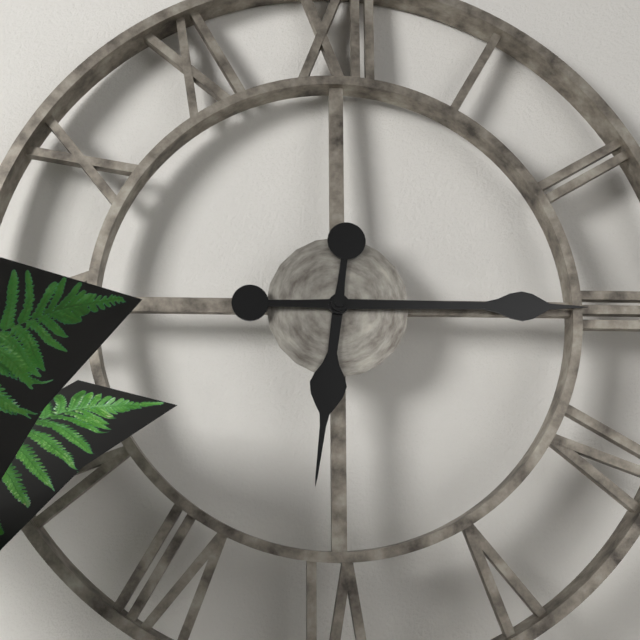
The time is {"hour": 6, "minute": 15}
